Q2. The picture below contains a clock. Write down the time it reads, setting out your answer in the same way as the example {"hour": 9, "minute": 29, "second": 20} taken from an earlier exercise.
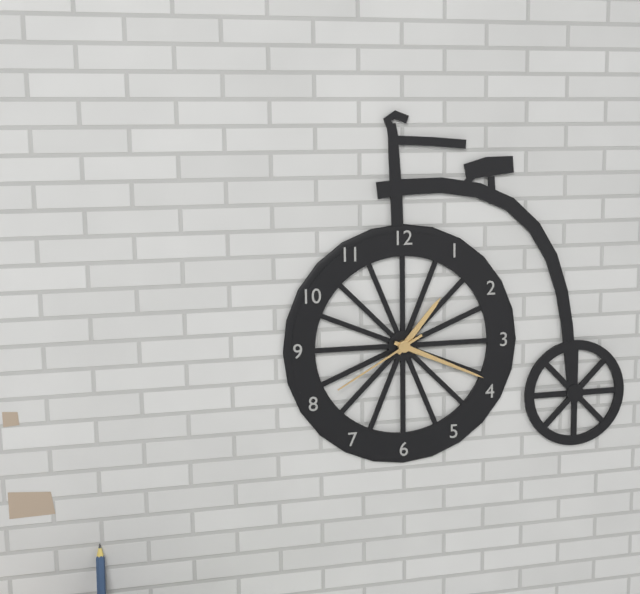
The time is {"hour": 1, "minute": 19, "second": 40}
